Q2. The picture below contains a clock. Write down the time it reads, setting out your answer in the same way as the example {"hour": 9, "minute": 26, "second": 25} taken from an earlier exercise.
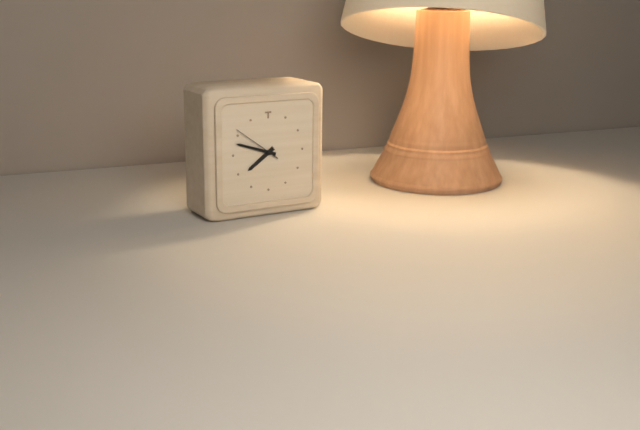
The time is {"hour": 7, "minute": 48, "second": 51}
